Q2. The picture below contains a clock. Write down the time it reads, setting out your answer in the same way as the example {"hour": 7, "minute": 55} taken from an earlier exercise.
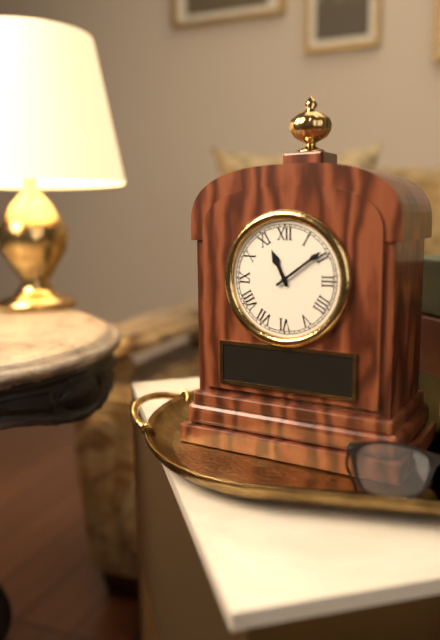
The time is {"hour": 11, "minute": 9}
